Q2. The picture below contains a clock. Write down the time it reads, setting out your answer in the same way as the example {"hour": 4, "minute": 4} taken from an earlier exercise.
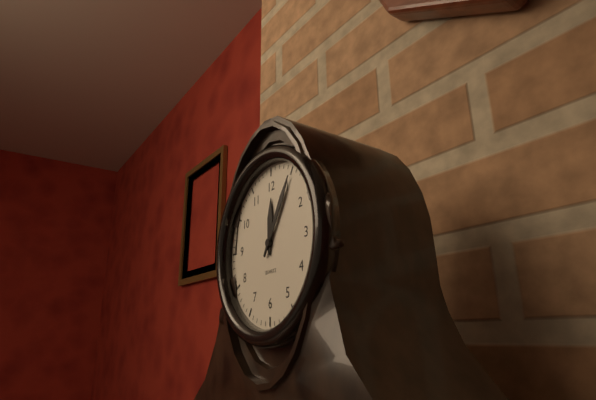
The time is {"hour": 12, "minute": 5}
